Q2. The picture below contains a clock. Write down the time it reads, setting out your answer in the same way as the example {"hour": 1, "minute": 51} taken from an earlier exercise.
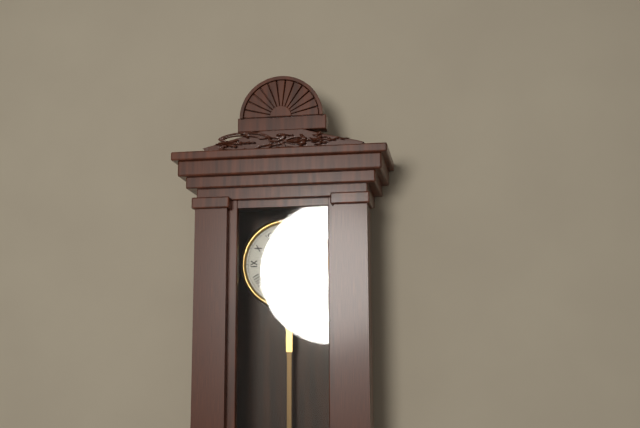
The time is {"hour": 3, "minute": 17}
